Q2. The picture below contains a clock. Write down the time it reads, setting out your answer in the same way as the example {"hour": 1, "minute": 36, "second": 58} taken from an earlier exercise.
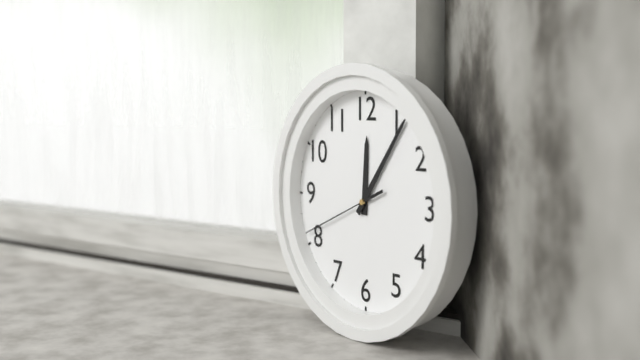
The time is {"hour": 12, "minute": 6, "second": 41}
